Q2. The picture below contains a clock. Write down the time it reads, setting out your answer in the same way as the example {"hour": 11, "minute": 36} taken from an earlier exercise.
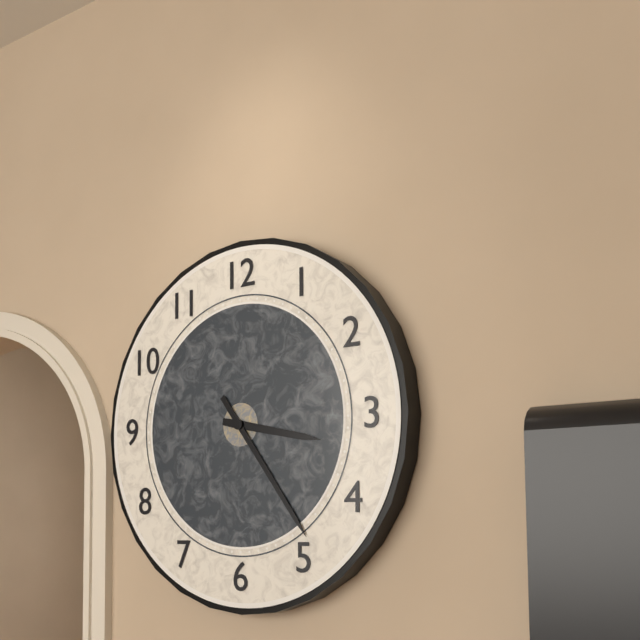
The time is {"hour": 3, "minute": 24}
